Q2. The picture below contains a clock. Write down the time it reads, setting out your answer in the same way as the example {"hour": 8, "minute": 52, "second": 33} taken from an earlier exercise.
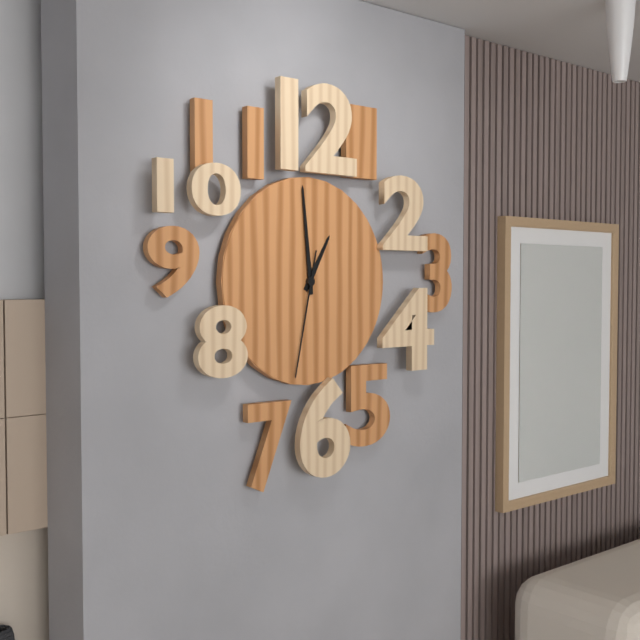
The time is {"hour": 12, "minute": 59, "second": 32}
